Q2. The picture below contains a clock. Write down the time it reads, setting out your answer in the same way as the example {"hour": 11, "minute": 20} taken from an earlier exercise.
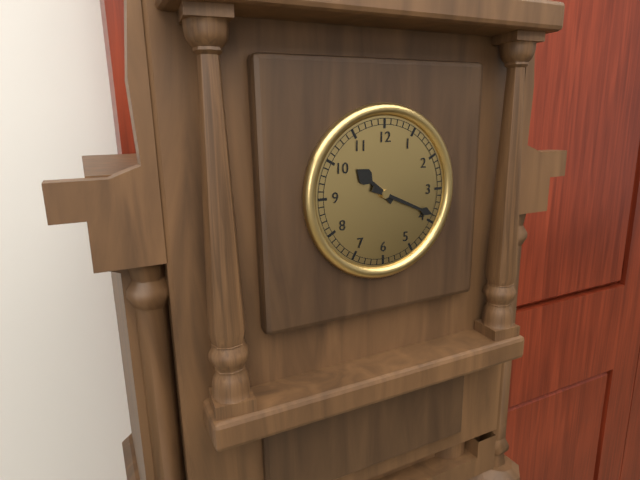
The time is {"hour": 10, "minute": 19}
